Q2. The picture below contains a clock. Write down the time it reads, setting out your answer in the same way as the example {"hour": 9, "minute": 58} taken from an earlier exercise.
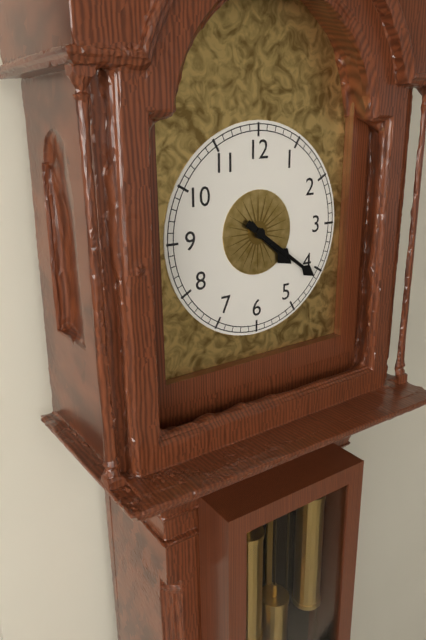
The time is {"hour": 4, "minute": 21}
